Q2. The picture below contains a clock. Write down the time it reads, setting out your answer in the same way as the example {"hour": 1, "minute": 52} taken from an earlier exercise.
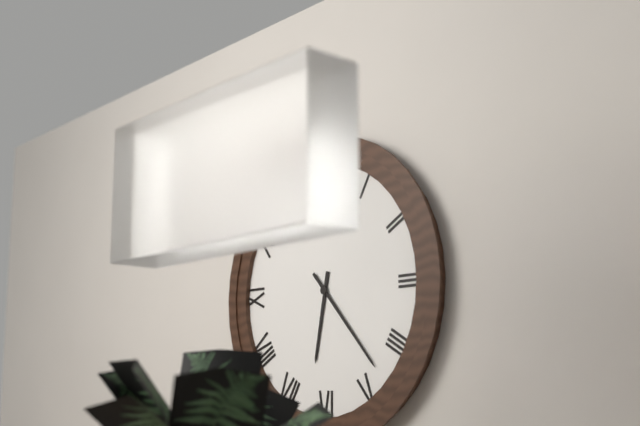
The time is {"hour": 6, "minute": 23}
